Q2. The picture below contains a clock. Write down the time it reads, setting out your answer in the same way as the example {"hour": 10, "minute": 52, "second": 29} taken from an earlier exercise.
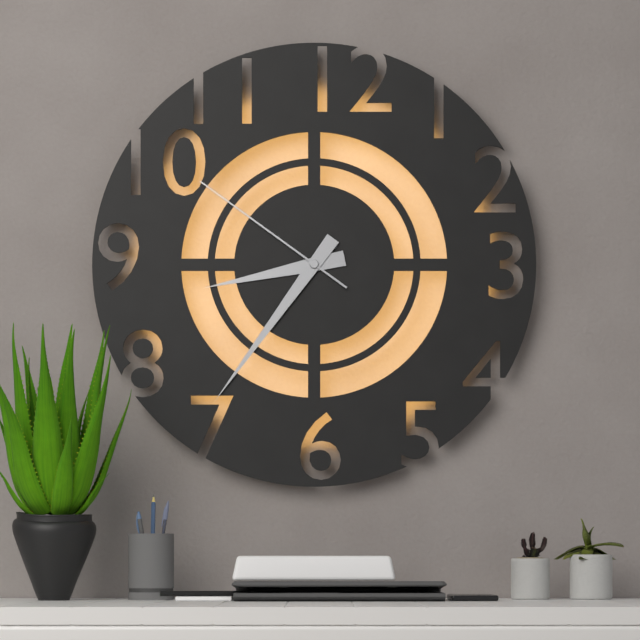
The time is {"hour": 8, "minute": 36, "second": 51}
